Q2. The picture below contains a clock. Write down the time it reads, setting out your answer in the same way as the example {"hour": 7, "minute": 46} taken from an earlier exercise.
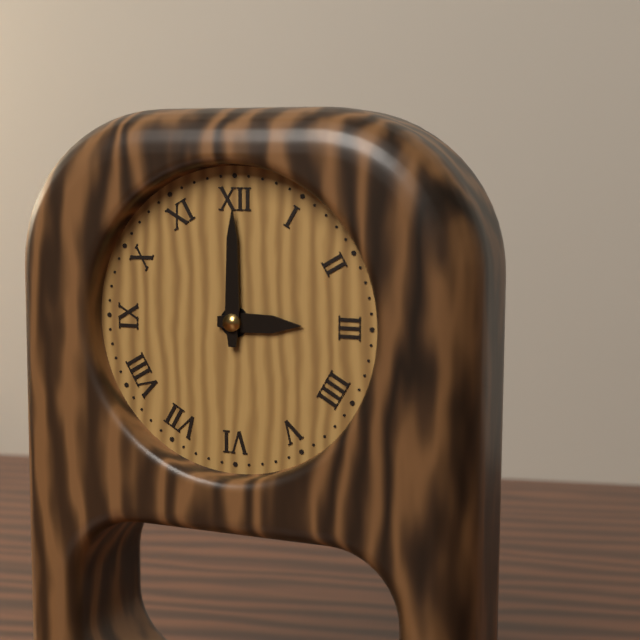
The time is {"hour": 3, "minute": 0}
